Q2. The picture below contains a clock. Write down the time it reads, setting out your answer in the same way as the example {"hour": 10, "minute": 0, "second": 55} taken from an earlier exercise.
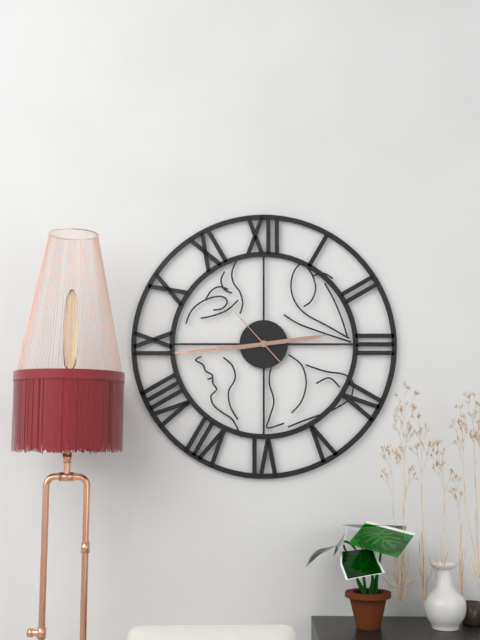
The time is {"hour": 2, "minute": 44, "second": 53}
